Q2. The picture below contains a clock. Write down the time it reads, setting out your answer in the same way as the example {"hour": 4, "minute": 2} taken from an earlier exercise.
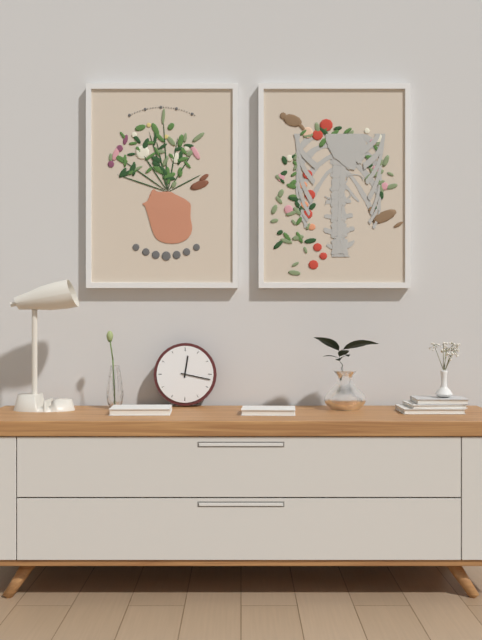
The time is {"hour": 12, "minute": 17}
